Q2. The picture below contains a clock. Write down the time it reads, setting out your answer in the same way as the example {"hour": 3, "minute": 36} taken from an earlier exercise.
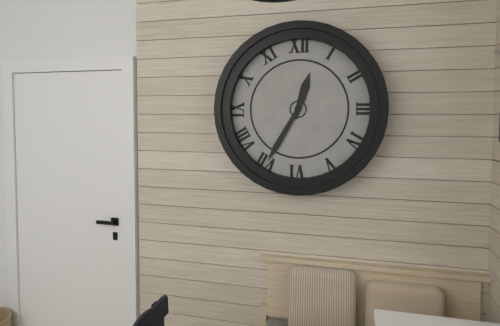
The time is {"hour": 12, "minute": 35}
